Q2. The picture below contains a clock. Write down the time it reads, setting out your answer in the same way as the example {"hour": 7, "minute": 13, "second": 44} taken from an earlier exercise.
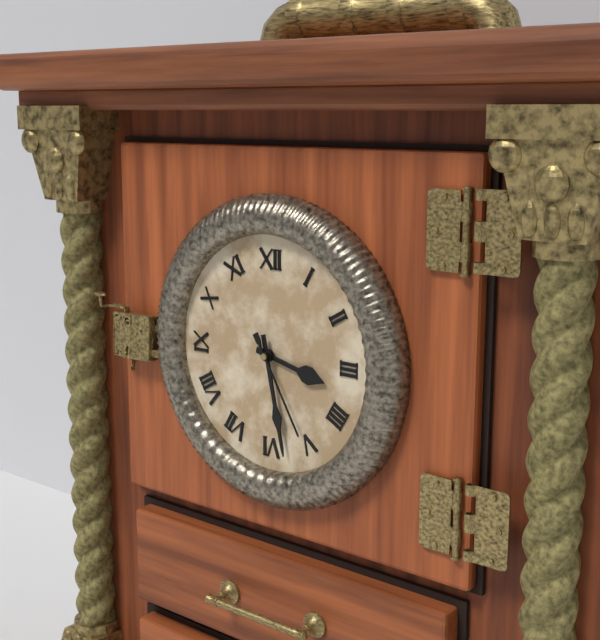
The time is {"hour": 3, "minute": 28, "second": 25}
